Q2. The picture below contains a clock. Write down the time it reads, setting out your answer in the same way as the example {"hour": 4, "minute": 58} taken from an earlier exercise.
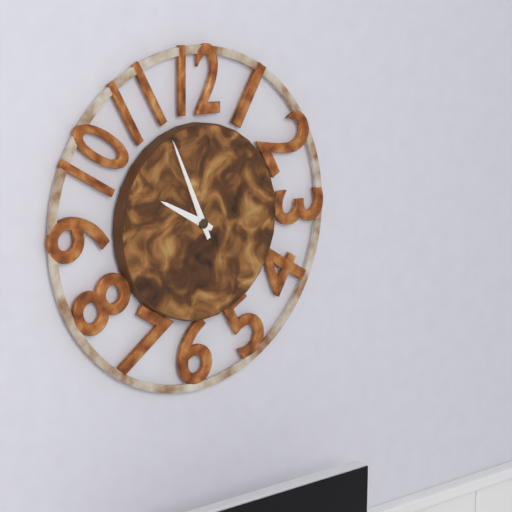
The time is {"hour": 9, "minute": 56}
